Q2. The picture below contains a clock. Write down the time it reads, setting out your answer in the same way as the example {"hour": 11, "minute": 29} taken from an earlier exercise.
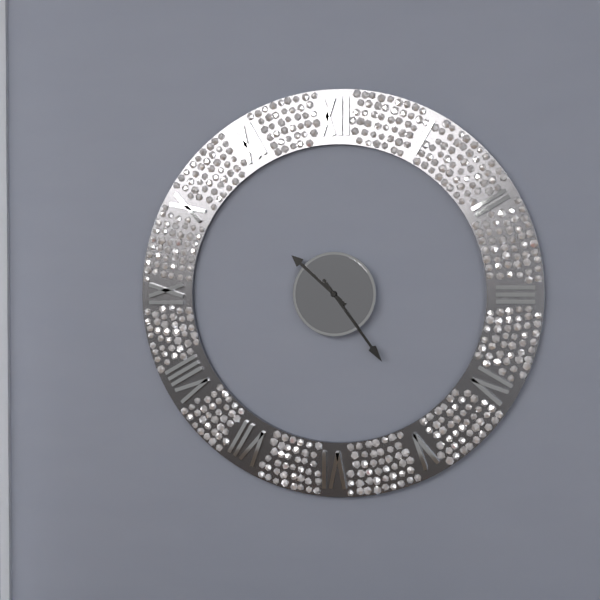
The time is {"hour": 10, "minute": 24}
